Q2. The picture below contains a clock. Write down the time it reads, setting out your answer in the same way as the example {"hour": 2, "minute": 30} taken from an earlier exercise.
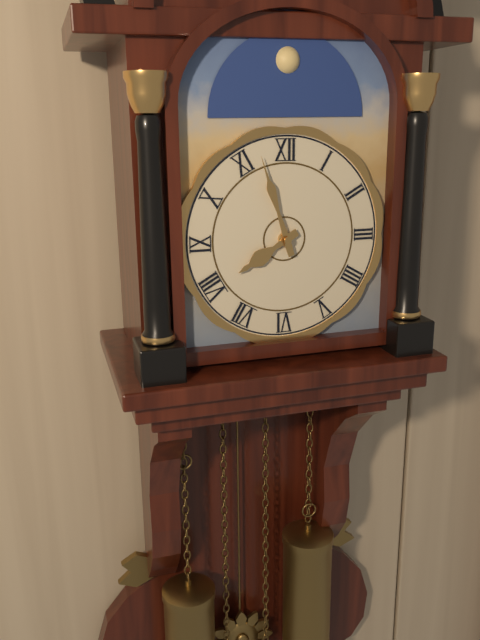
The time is {"hour": 7, "minute": 57}
